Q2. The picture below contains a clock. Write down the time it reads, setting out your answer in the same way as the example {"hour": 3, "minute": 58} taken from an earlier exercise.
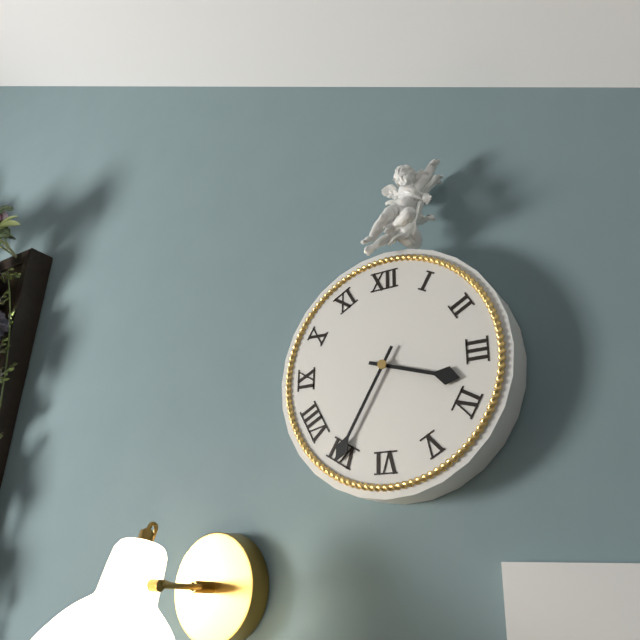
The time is {"hour": 3, "minute": 35}
